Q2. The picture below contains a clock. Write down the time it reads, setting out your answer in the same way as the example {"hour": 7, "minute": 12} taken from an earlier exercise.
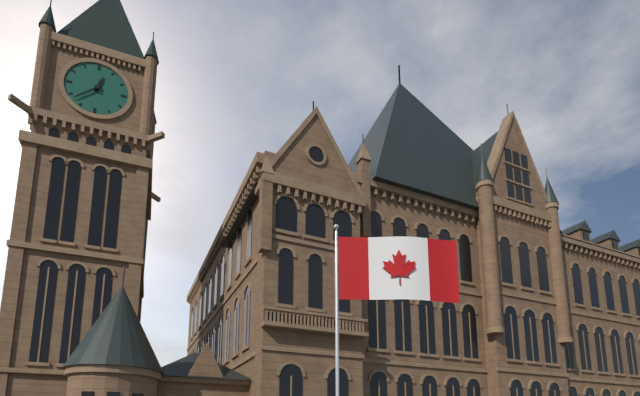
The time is {"hour": 12, "minute": 38}
